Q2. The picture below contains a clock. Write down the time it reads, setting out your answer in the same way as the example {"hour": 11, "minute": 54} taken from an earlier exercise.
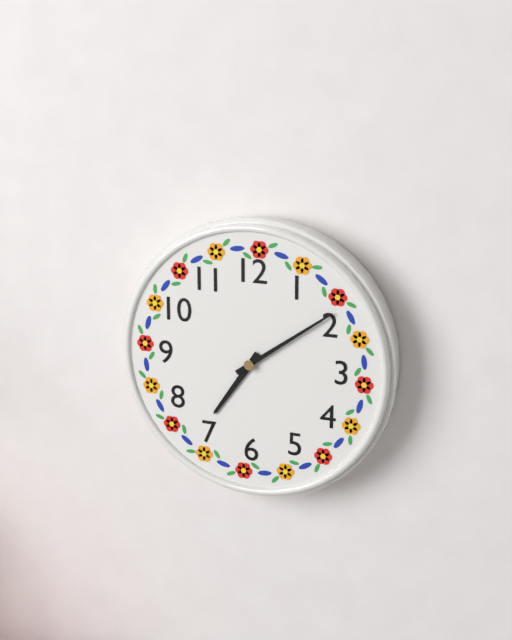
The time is {"hour": 7, "minute": 9}
